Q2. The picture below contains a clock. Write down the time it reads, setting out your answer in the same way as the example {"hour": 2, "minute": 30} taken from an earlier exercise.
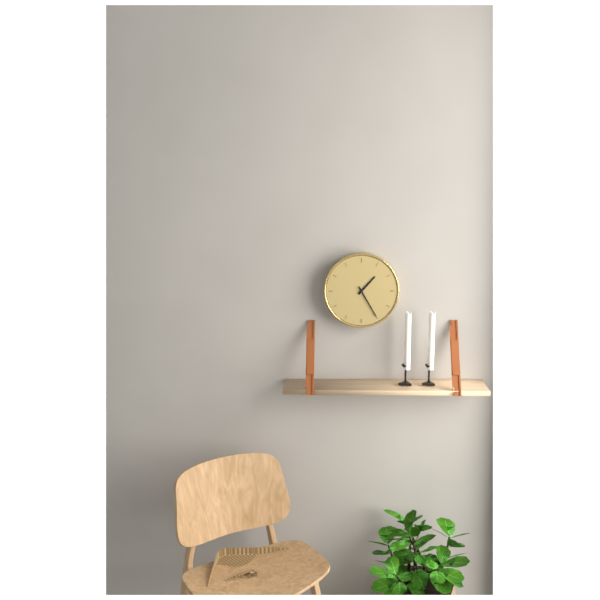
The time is {"hour": 1, "minute": 25}
